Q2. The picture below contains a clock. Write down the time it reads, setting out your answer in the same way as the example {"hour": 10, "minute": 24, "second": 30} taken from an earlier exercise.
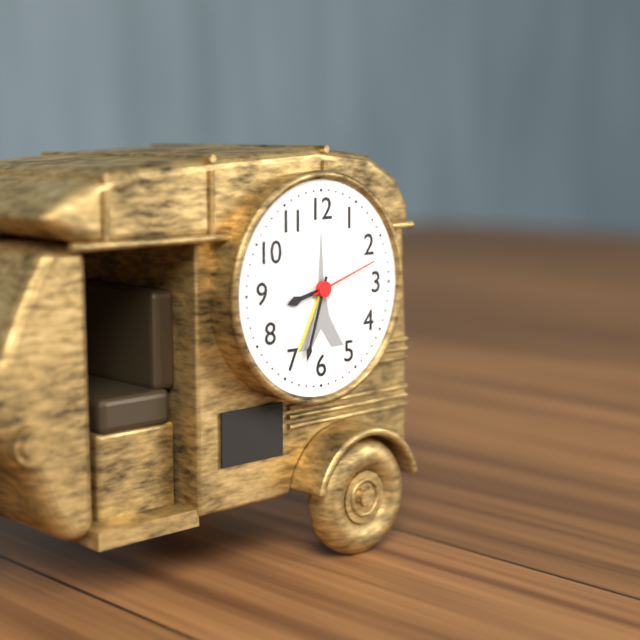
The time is {"hour": 8, "minute": 33, "second": 12}
